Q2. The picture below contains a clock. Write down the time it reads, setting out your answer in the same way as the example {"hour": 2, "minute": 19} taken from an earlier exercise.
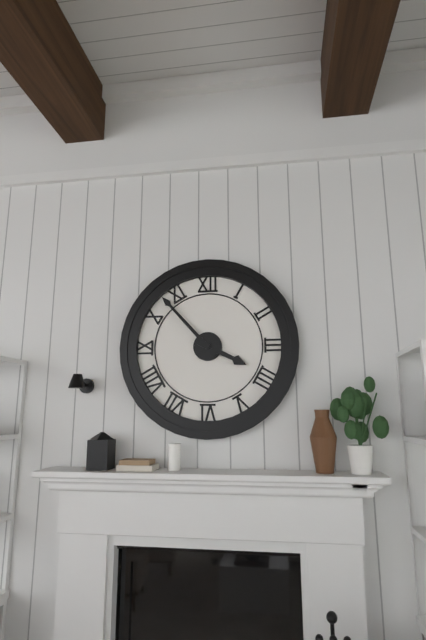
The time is {"hour": 3, "minute": 53}
